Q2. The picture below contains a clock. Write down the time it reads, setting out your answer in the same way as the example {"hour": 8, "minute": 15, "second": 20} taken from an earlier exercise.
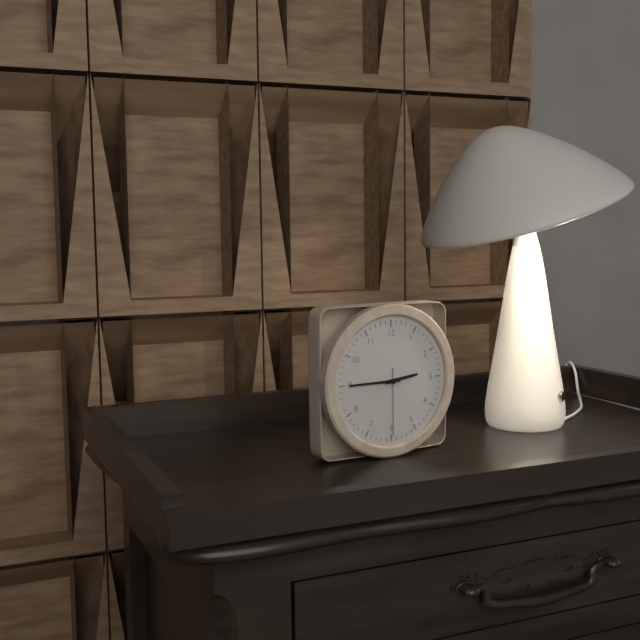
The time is {"hour": 2, "minute": 45, "second": 30}
